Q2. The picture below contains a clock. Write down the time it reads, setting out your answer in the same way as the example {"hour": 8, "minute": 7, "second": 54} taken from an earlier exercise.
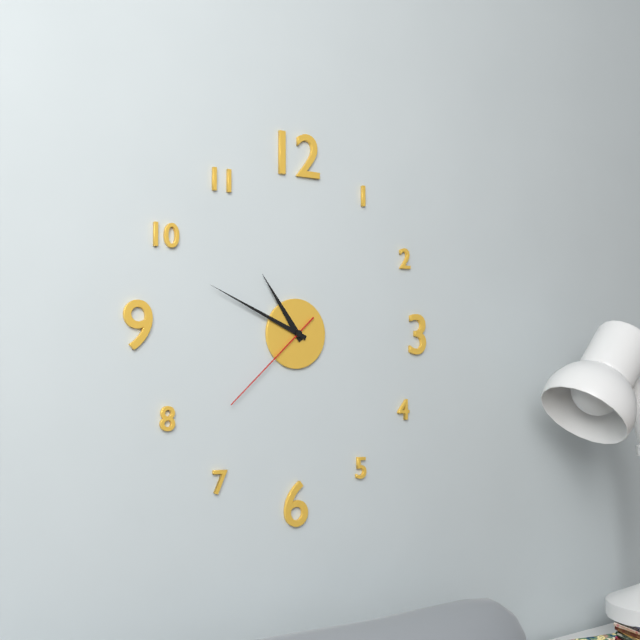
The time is {"hour": 10, "minute": 49, "second": 38}
